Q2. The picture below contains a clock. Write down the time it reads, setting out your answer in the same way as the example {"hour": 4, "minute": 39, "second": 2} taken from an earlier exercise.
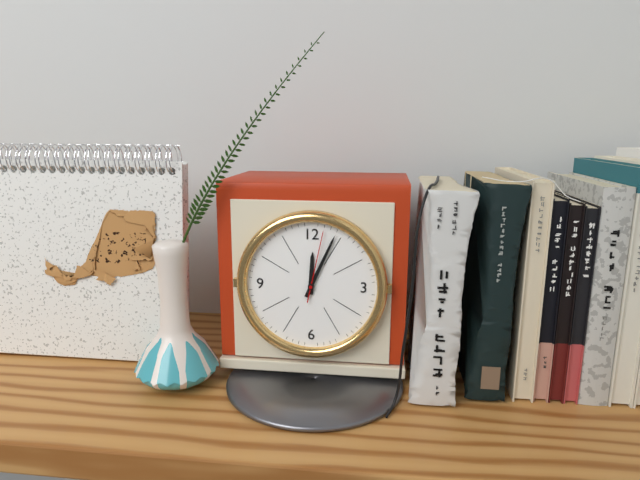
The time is {"hour": 12, "minute": 4, "second": 2}
